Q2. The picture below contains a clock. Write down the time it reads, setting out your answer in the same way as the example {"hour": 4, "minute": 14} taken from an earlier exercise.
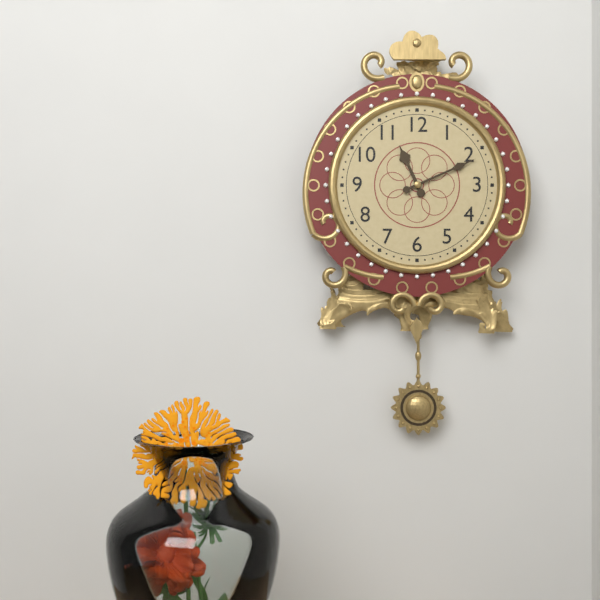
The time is {"hour": 11, "minute": 11}
